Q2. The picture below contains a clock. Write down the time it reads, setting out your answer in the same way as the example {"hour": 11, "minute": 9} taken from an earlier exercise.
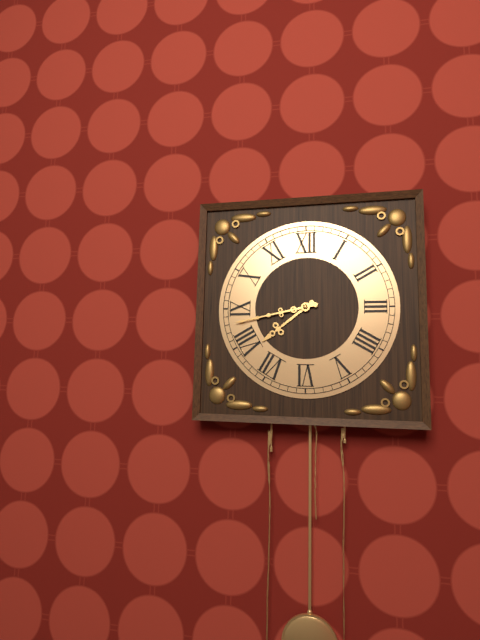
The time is {"hour": 7, "minute": 43}
